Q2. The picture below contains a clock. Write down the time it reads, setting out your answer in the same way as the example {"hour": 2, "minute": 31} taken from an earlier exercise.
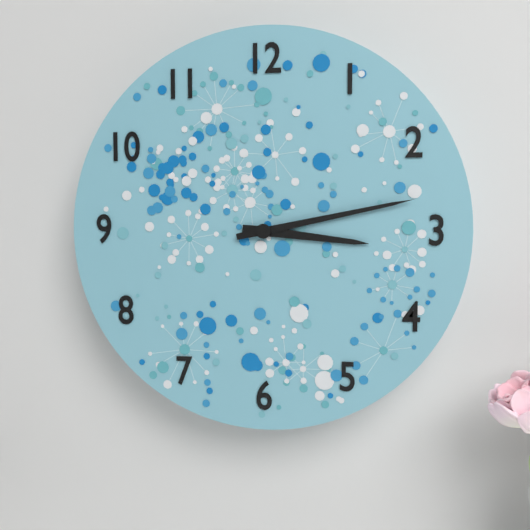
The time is {"hour": 3, "minute": 13}
